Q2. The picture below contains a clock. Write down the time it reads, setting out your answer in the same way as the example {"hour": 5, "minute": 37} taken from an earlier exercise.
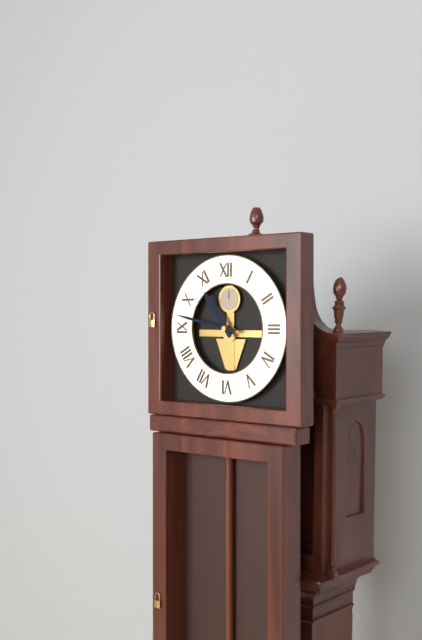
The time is {"hour": 10, "minute": 47}
